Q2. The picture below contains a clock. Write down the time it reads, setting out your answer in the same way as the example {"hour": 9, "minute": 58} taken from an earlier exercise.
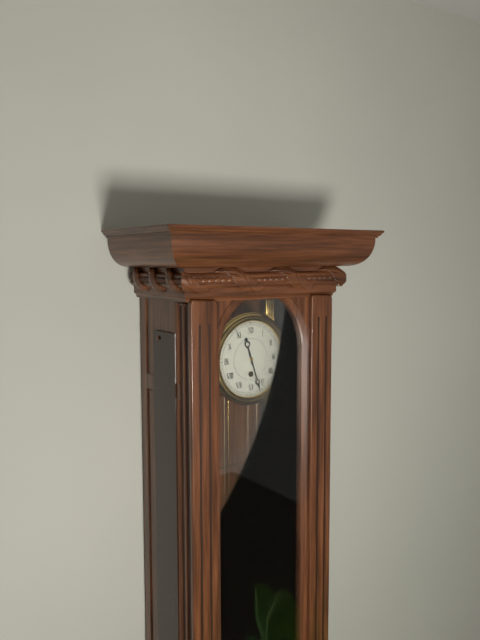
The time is {"hour": 11, "minute": 27}
